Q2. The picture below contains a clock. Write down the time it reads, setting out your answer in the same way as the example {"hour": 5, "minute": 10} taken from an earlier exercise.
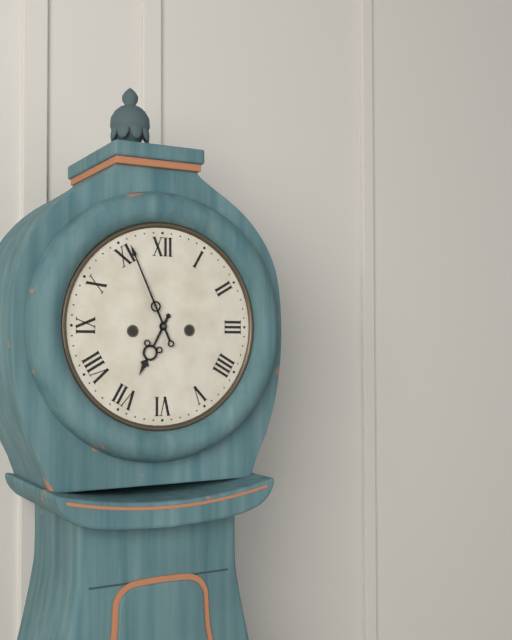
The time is {"hour": 6, "minute": 56}
